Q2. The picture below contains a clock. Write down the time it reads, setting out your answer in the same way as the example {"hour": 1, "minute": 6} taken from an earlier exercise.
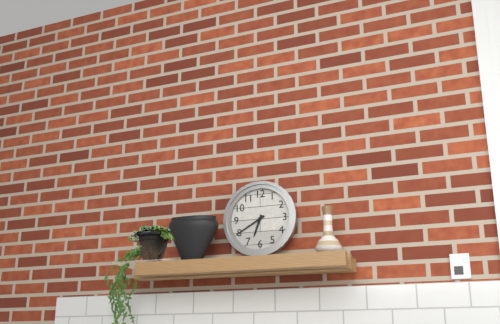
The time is {"hour": 6, "minute": 40}
